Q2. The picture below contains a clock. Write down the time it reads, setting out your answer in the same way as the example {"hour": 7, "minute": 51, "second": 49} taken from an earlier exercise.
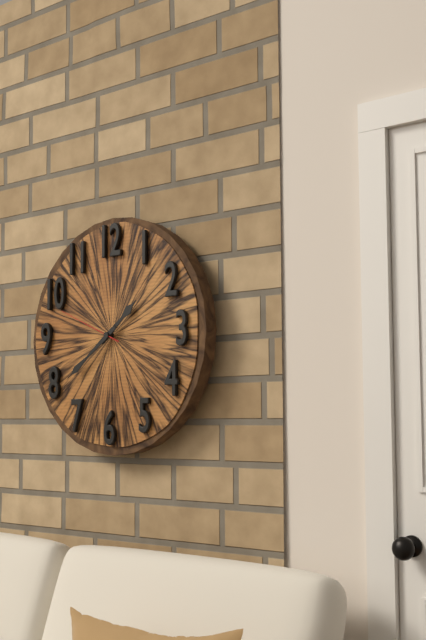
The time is {"hour": 1, "minute": 39, "second": 49}
